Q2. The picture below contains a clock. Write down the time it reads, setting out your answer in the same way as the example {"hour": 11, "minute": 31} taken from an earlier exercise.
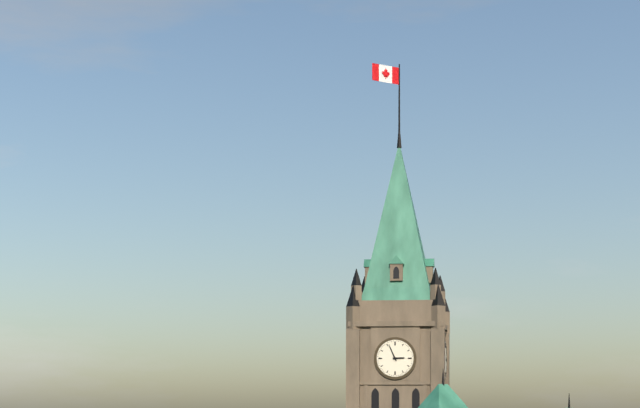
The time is {"hour": 2, "minute": 56}
